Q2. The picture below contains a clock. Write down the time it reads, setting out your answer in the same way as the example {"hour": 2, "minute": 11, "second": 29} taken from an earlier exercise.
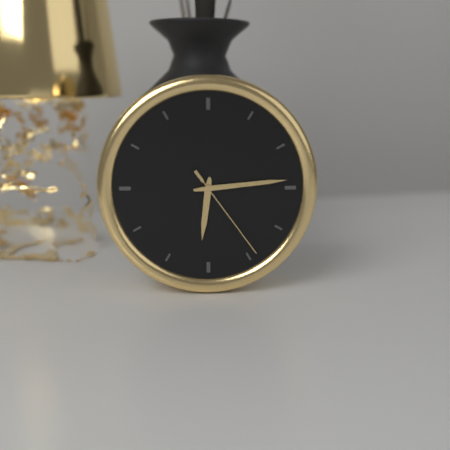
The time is {"hour": 6, "minute": 14, "second": 24}
